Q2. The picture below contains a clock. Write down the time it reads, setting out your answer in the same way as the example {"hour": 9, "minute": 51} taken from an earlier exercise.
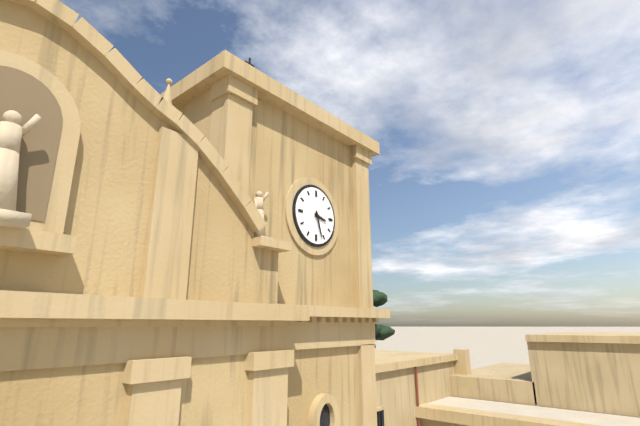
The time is {"hour": 3, "minute": 27}
